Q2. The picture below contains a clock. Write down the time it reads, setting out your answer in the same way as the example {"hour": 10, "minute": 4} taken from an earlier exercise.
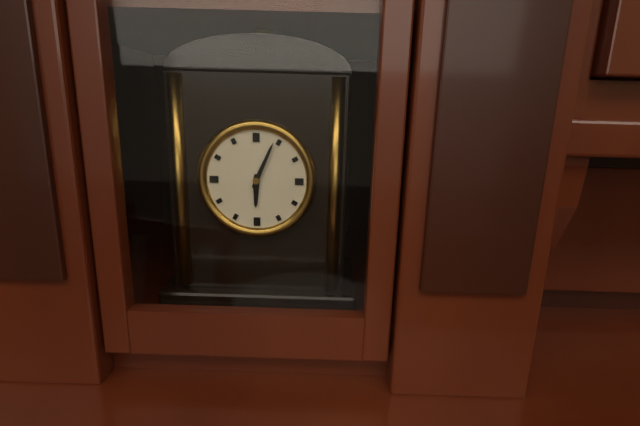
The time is {"hour": 6, "minute": 4}
